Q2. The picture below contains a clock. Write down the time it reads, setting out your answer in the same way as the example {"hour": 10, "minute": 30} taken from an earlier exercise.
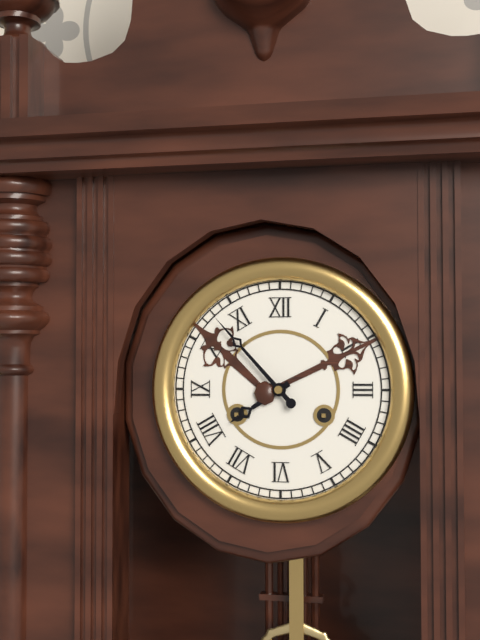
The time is {"hour": 7, "minute": 53}
